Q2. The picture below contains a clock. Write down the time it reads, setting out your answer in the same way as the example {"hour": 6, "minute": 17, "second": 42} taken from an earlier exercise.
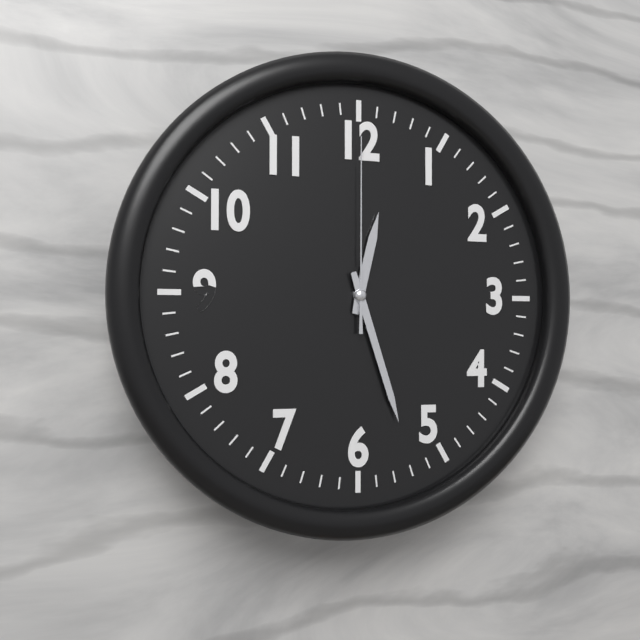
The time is {"hour": 12, "minute": 27, "second": 0}
